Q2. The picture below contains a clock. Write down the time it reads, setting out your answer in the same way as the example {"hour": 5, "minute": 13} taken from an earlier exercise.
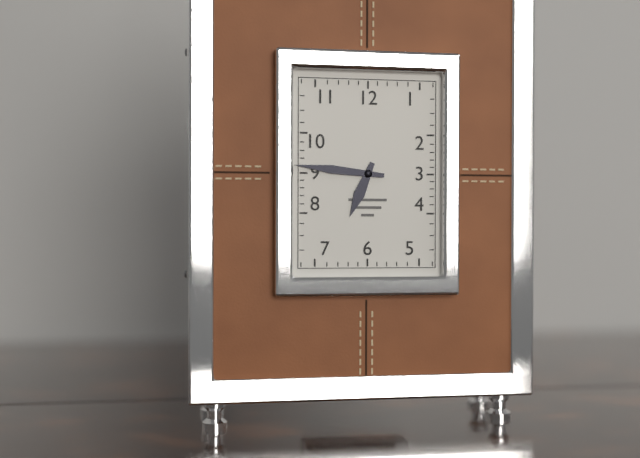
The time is {"hour": 6, "minute": 46}
